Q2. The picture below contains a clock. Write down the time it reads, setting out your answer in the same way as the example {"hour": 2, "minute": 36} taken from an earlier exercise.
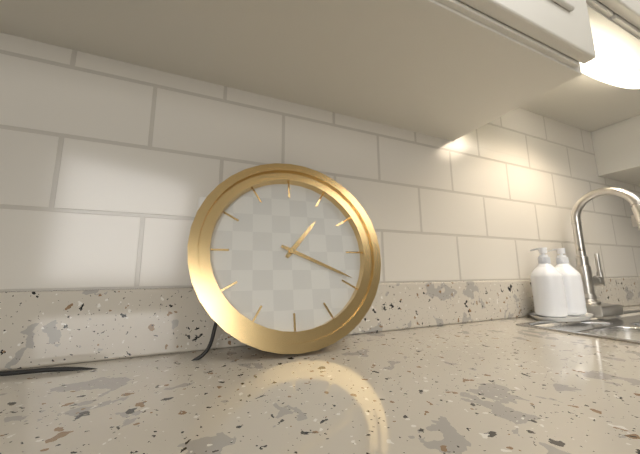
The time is {"hour": 1, "minute": 19}
